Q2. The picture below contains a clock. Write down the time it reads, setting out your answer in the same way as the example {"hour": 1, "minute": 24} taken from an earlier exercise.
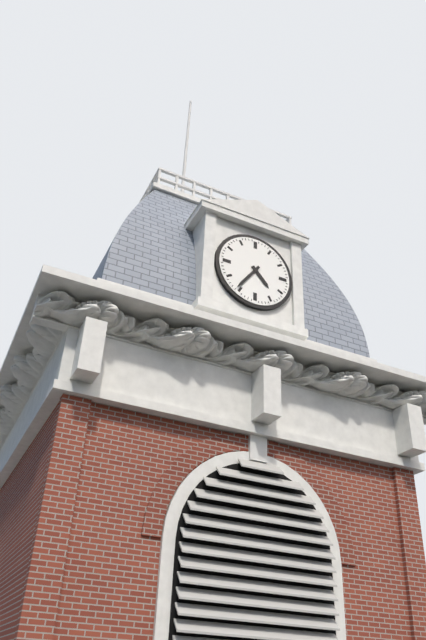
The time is {"hour": 4, "minute": 36}
